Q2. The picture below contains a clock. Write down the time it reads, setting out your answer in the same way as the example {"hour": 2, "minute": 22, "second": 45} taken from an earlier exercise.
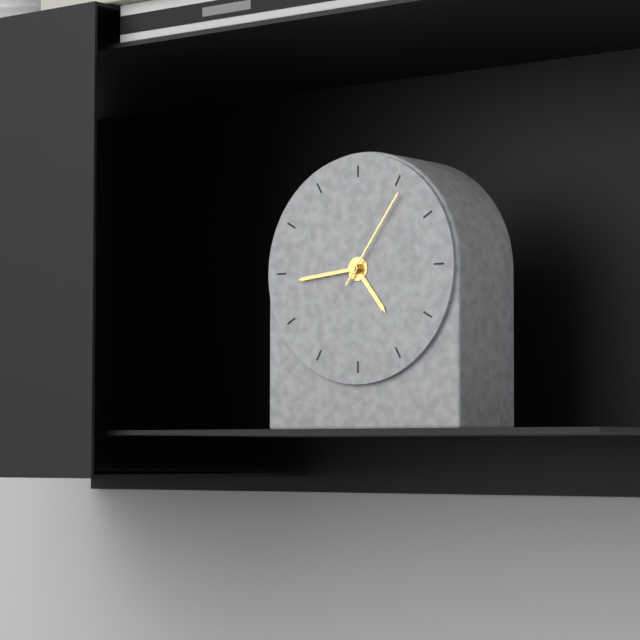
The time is {"hour": 4, "minute": 44, "second": 6}
